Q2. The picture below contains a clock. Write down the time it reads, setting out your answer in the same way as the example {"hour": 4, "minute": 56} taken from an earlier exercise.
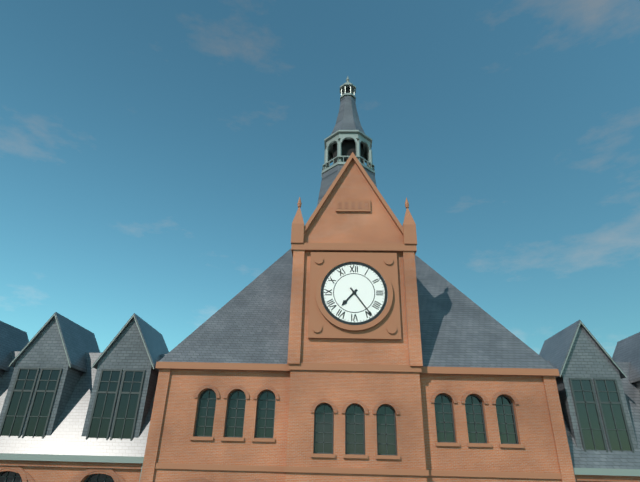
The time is {"hour": 7, "minute": 24}
